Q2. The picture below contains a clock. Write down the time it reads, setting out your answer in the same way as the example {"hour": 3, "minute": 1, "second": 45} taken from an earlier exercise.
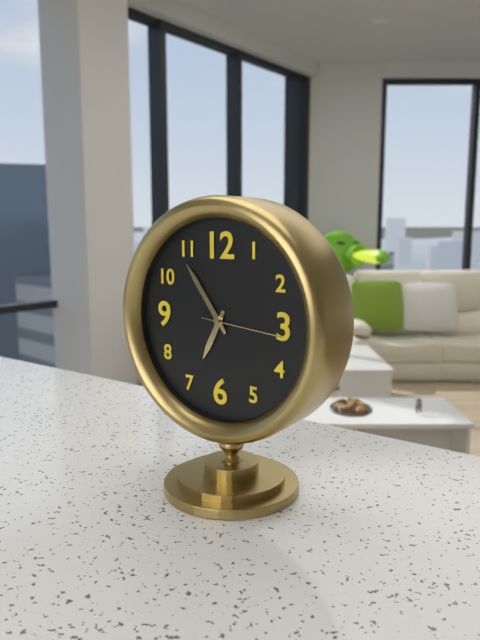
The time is {"hour": 6, "minute": 54, "second": 16}
